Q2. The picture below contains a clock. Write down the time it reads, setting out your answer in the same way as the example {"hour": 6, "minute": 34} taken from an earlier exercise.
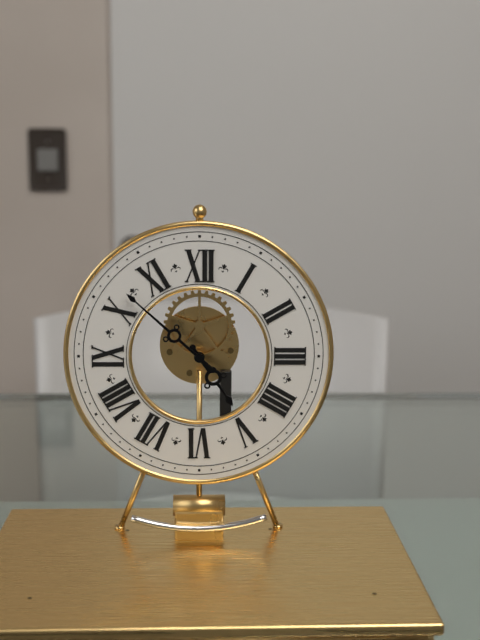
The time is {"hour": 4, "minute": 52}
